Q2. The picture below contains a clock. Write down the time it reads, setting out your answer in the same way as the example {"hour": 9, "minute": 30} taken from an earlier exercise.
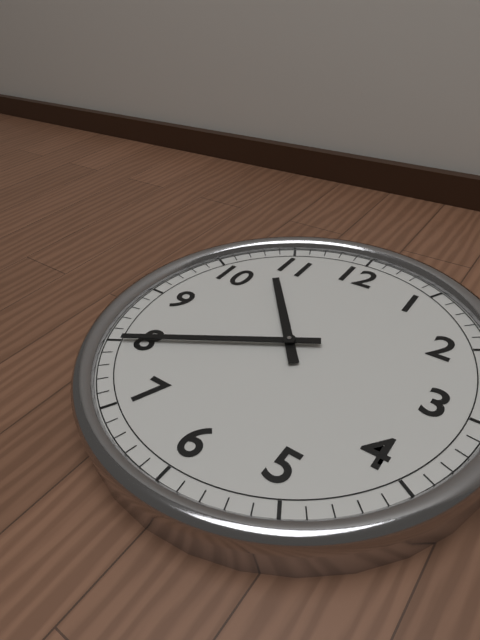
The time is {"hour": 10, "minute": 40}
